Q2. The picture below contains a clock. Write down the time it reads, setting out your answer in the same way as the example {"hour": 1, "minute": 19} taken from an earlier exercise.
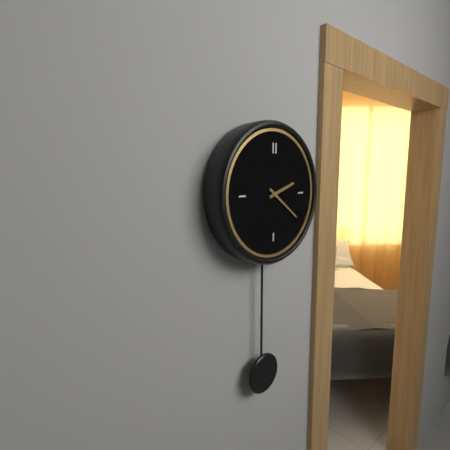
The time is {"hour": 2, "minute": 21}
